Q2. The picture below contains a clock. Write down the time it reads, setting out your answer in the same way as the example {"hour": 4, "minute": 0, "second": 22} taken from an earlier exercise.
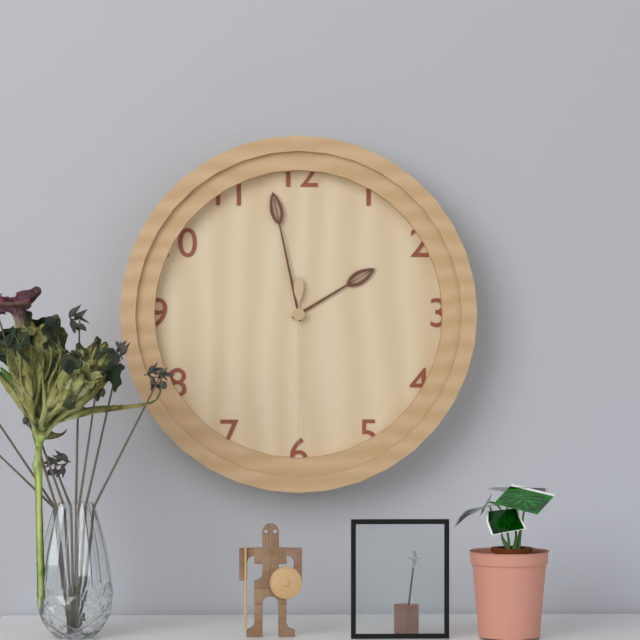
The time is {"hour": 1, "minute": 58, "second": 30}
